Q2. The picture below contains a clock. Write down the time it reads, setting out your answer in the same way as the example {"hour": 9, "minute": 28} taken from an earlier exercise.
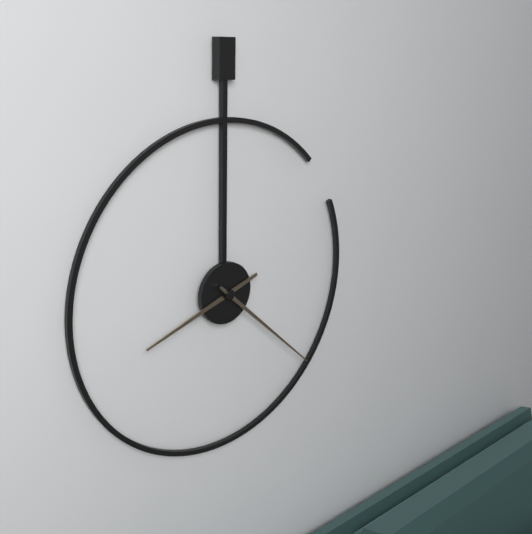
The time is {"hour": 8, "minute": 22}
